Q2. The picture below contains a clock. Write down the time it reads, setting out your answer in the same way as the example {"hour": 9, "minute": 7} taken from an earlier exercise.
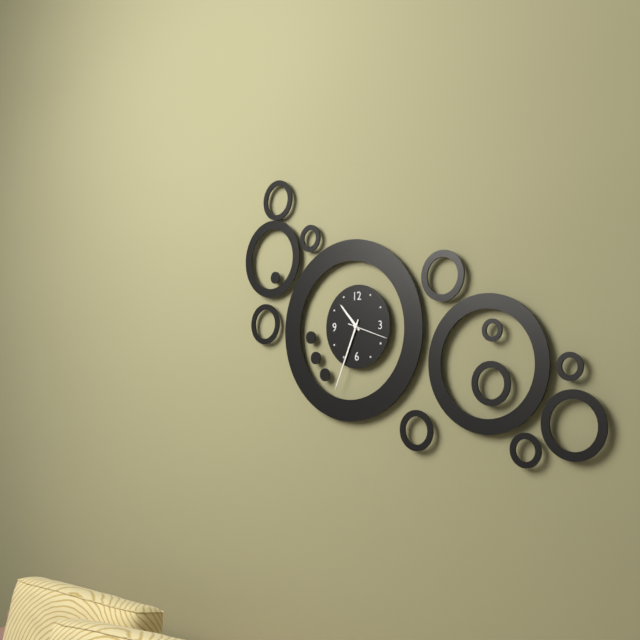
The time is {"hour": 10, "minute": 34}
